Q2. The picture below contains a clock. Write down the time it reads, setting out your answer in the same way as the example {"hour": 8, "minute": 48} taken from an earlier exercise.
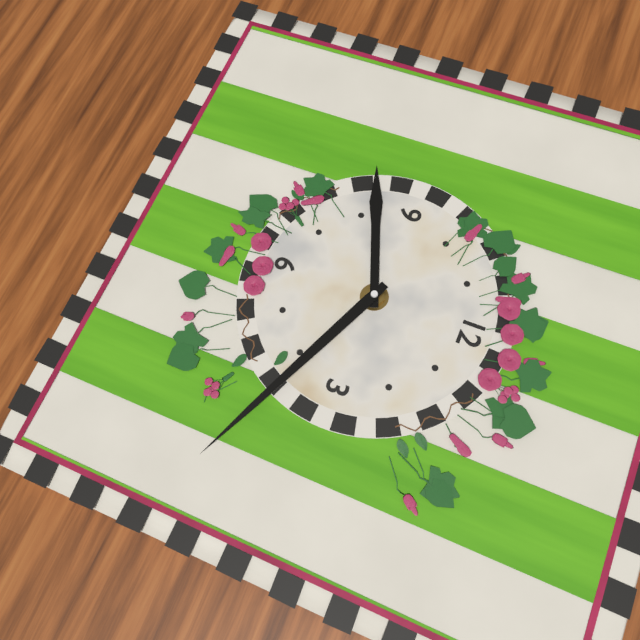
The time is {"hour": 8, "minute": 19}
